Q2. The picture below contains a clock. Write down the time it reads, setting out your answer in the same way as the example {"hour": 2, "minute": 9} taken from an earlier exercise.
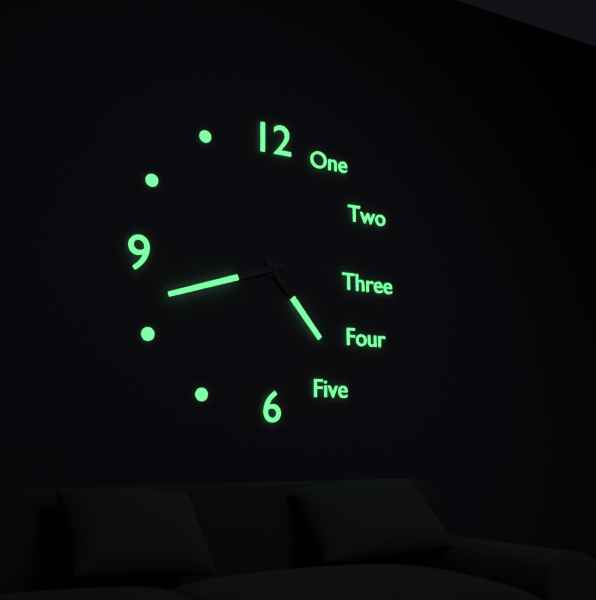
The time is {"hour": 4, "minute": 42}
